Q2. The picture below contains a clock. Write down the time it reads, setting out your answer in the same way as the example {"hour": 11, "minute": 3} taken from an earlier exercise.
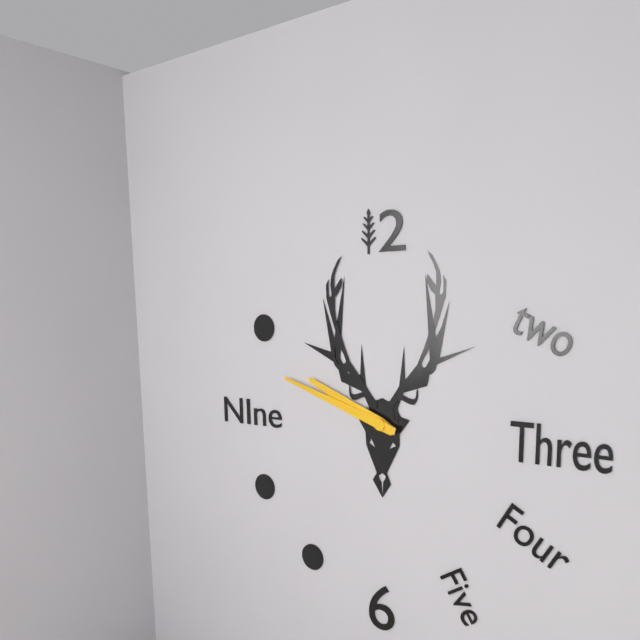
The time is {"hour": 9, "minute": 48}
